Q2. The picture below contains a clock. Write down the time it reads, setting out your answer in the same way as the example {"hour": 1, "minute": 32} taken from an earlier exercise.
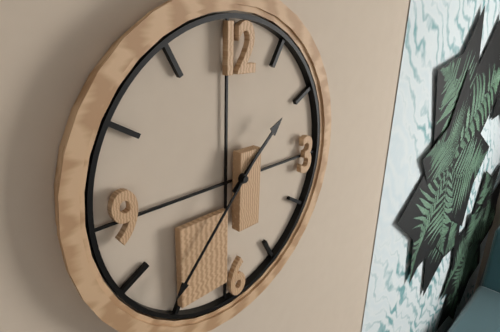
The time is {"hour": 1, "minute": 37}
